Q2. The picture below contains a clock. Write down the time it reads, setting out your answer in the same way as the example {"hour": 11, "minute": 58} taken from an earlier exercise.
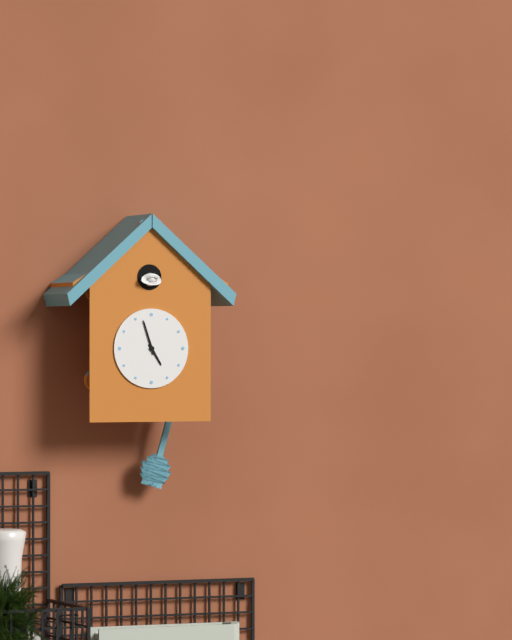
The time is {"hour": 4, "minute": 57}
